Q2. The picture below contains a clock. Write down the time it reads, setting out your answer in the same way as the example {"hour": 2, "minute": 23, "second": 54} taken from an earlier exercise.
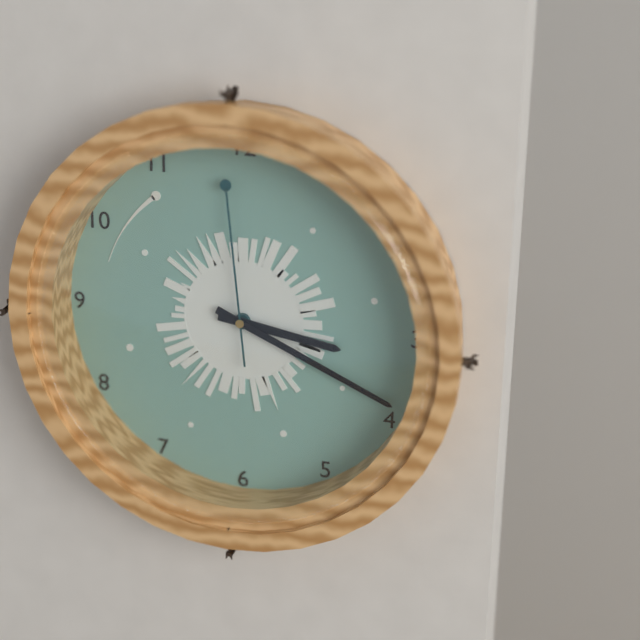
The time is {"hour": 3, "minute": 19, "second": 59}
